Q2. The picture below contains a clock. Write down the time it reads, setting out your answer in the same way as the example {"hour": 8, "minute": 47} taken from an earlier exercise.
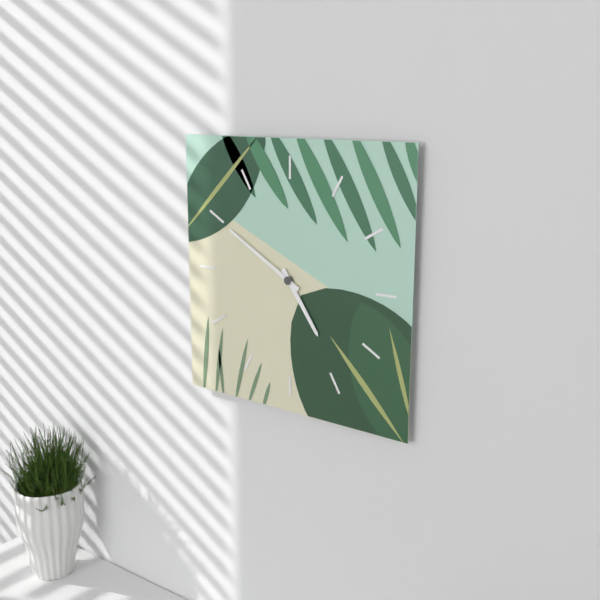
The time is {"hour": 4, "minute": 50}
